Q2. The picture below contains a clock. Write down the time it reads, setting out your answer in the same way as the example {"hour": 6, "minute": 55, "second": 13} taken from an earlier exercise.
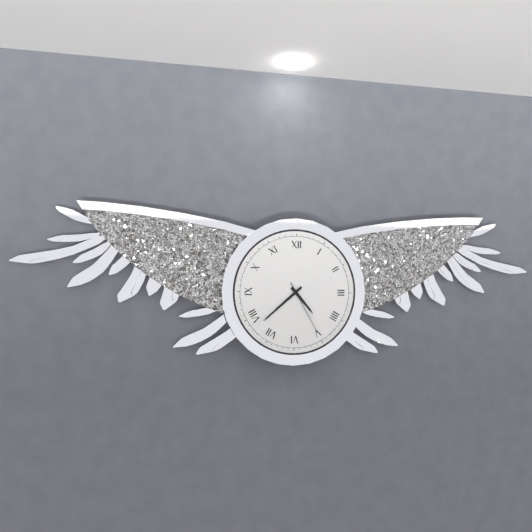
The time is {"hour": 4, "minute": 38, "second": 25}
